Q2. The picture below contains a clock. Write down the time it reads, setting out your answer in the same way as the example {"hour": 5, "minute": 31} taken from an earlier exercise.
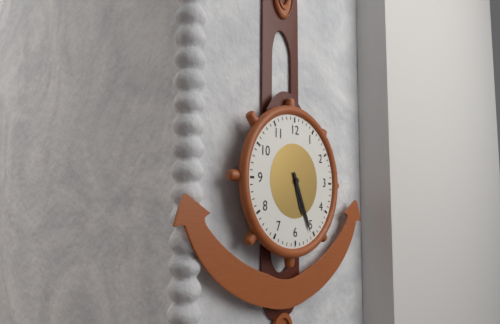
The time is {"hour": 5, "minute": 26}
